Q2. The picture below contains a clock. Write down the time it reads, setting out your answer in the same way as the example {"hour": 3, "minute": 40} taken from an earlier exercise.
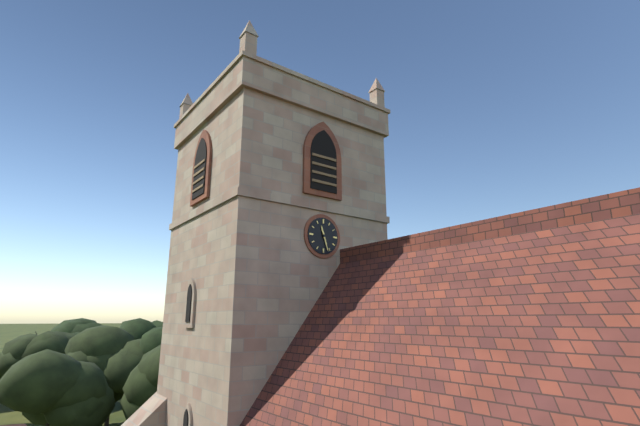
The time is {"hour": 11, "minute": 27}
